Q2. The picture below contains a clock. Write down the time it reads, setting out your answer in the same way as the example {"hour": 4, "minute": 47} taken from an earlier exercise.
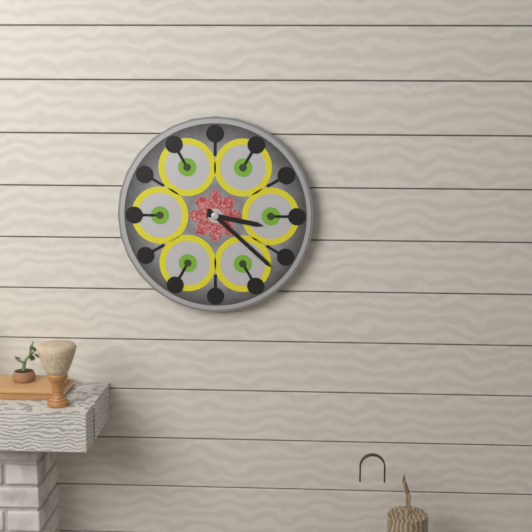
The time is {"hour": 3, "minute": 22}
